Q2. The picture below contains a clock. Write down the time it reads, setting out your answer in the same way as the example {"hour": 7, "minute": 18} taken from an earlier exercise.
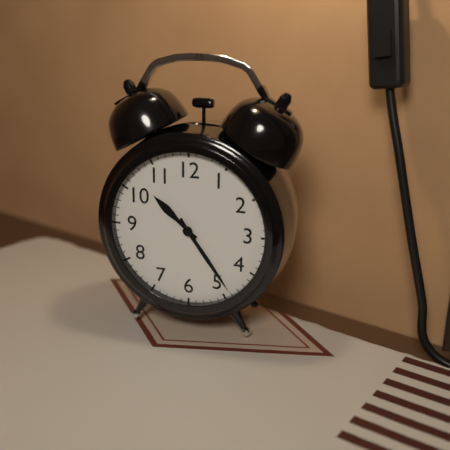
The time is {"hour": 10, "minute": 24}
